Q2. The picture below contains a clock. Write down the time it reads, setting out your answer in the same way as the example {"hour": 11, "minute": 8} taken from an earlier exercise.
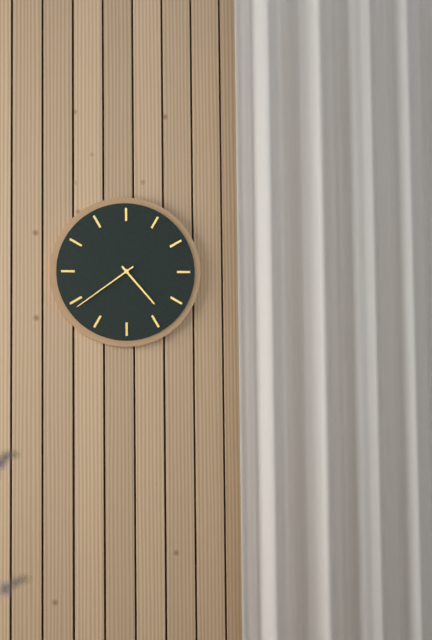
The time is {"hour": 4, "minute": 39}
